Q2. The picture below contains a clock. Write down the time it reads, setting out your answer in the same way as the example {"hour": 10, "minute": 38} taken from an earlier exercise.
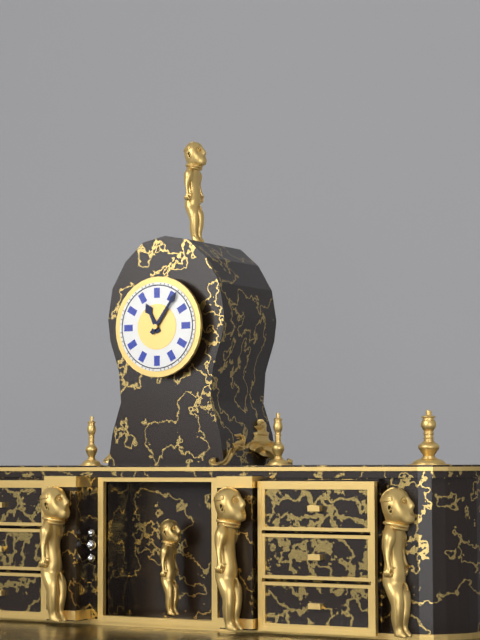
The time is {"hour": 11, "minute": 6}
